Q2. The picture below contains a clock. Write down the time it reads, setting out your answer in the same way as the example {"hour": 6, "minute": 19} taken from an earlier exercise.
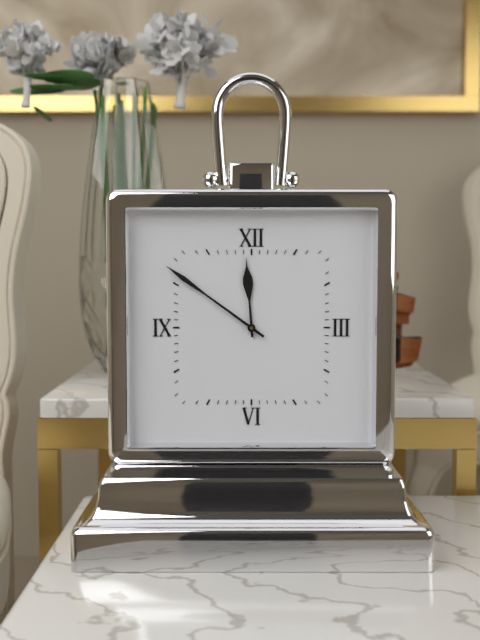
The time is {"hour": 11, "minute": 51}
